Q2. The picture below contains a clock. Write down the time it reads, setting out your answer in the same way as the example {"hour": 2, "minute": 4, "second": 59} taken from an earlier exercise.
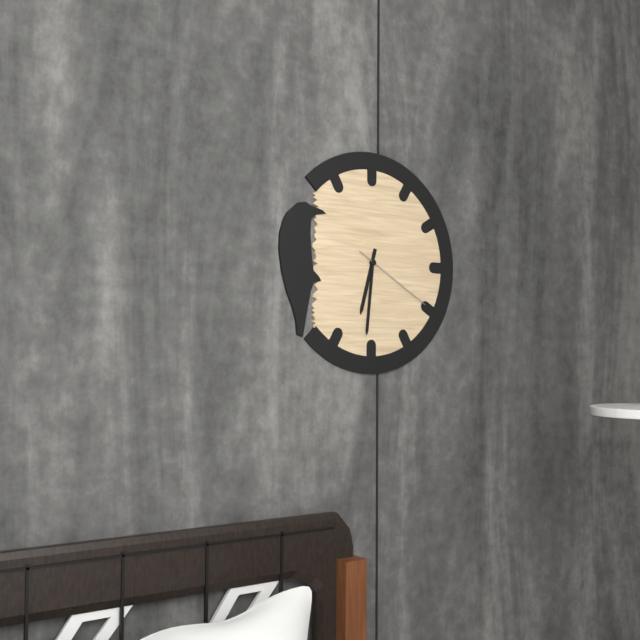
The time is {"hour": 6, "minute": 31, "second": 20}
